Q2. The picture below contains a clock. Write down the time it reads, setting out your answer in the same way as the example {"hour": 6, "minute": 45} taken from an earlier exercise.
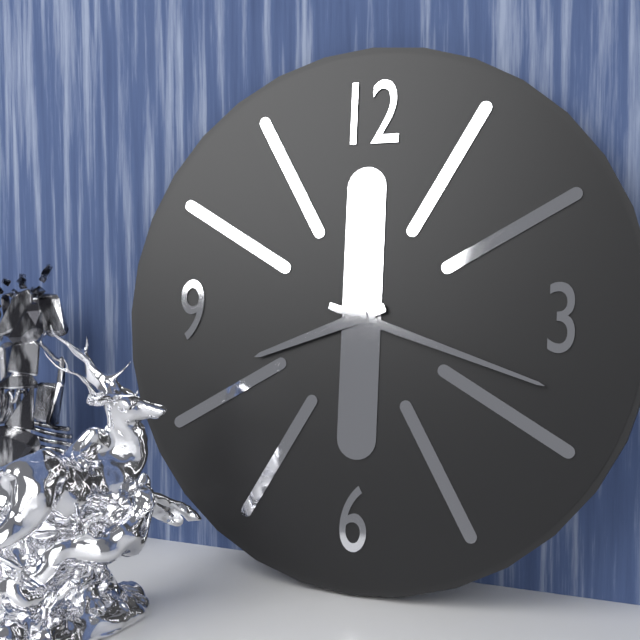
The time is {"hour": 8, "minute": 18}
